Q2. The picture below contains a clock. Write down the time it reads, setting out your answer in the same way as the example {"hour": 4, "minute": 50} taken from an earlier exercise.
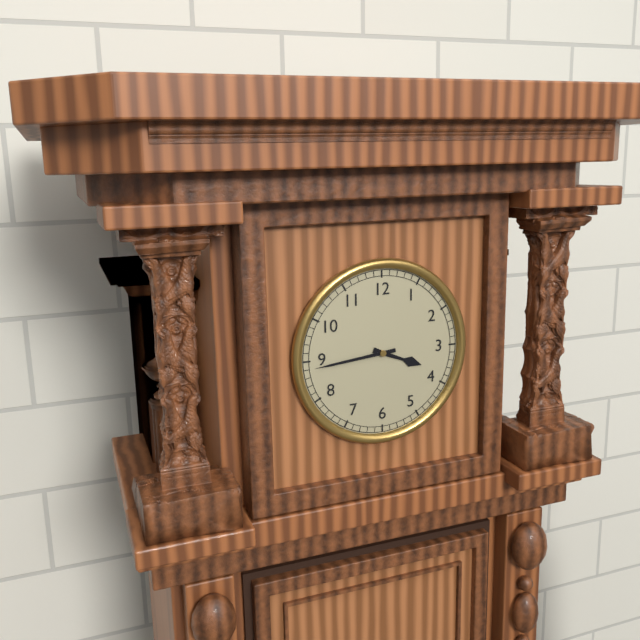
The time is {"hour": 3, "minute": 44}
